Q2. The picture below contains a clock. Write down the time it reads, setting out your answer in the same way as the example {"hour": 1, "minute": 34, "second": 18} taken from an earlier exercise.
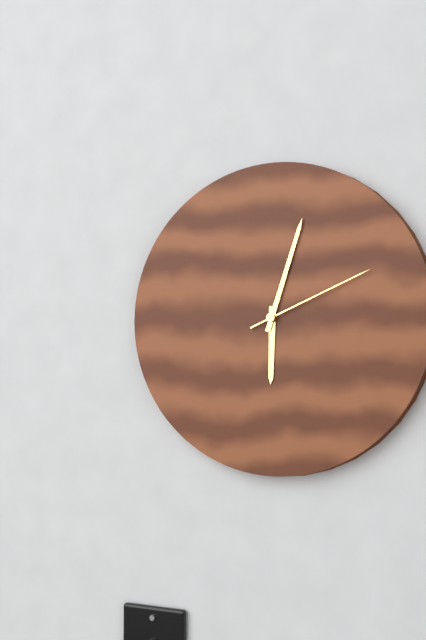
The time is {"hour": 6, "minute": 3, "second": 11}
